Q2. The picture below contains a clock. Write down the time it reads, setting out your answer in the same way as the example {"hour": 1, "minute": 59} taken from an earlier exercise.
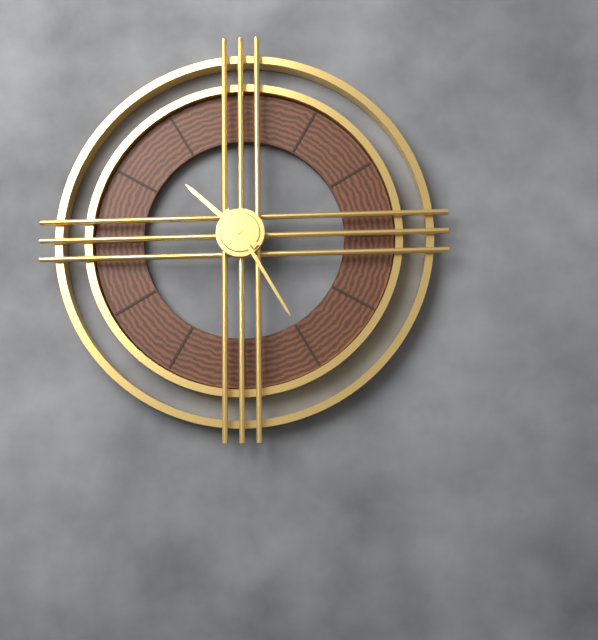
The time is {"hour": 10, "minute": 25}
